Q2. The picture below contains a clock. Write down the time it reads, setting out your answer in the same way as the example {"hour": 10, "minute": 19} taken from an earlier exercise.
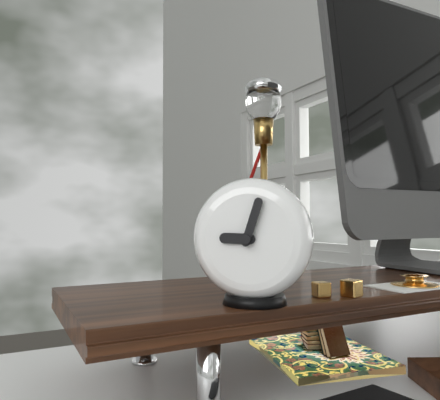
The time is {"hour": 9, "minute": 3}
